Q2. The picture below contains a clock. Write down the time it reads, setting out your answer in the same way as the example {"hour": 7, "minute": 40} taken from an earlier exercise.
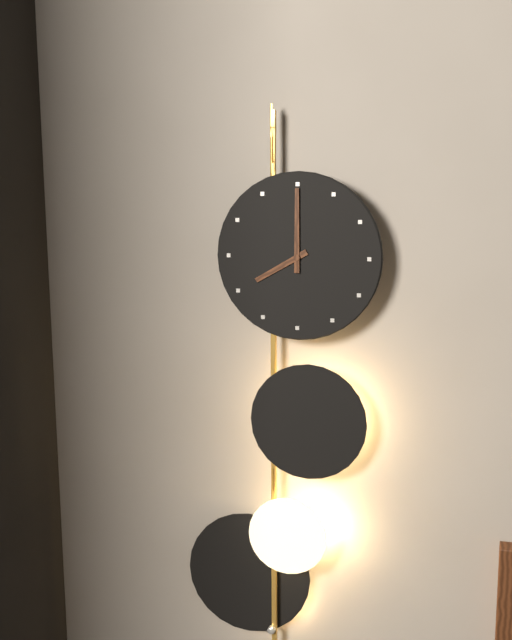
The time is {"hour": 8, "minute": 0}
